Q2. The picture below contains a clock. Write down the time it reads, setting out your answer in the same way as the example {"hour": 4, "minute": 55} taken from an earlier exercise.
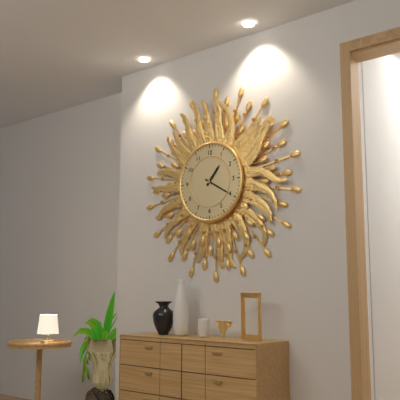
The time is {"hour": 1, "minute": 20}
